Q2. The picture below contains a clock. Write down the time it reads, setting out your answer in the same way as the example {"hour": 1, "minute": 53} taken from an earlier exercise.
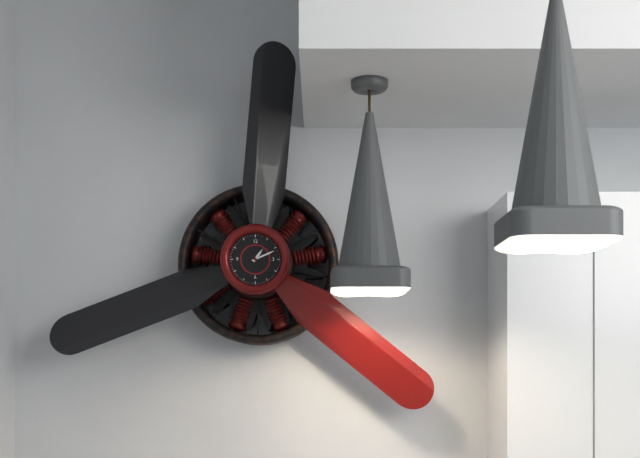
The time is {"hour": 1, "minute": 11}
